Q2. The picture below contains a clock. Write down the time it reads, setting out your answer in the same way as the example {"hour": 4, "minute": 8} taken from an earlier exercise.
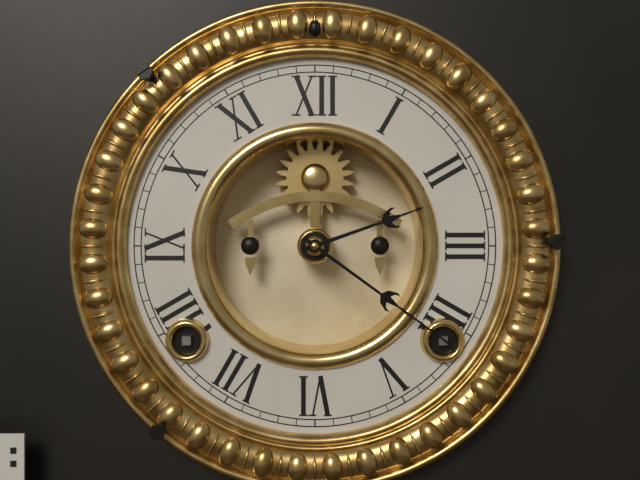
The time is {"hour": 2, "minute": 21}
